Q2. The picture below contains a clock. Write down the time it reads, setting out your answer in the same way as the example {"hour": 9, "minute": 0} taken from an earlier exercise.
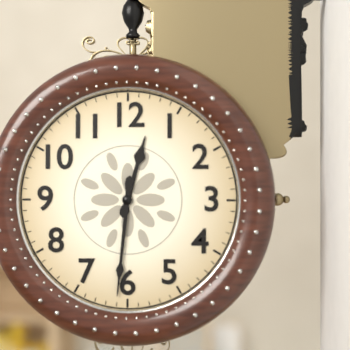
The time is {"hour": 12, "minute": 31}
